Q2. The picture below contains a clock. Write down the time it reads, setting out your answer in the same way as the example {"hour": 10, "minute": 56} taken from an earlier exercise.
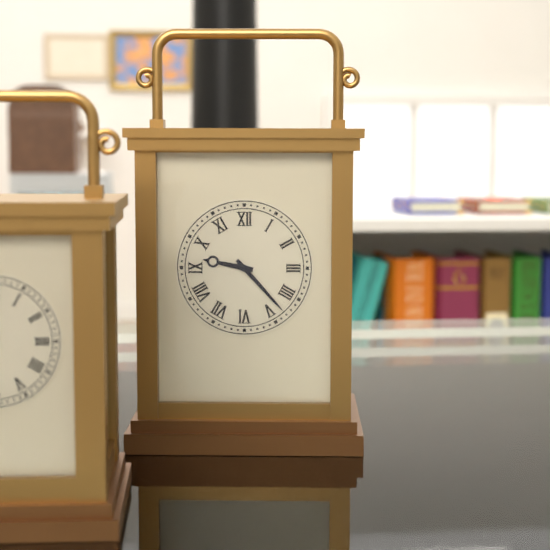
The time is {"hour": 9, "minute": 23}
